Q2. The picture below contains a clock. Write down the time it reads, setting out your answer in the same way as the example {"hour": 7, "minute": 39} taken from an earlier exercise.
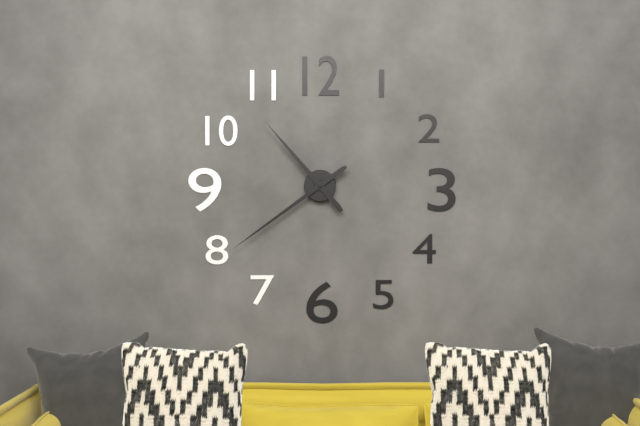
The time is {"hour": 10, "minute": 39}
